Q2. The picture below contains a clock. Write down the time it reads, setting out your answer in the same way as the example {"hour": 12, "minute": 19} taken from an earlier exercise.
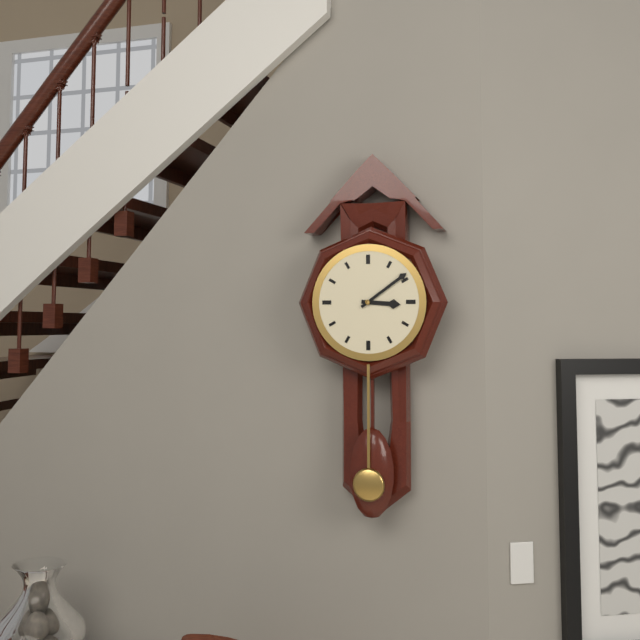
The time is {"hour": 3, "minute": 9}
